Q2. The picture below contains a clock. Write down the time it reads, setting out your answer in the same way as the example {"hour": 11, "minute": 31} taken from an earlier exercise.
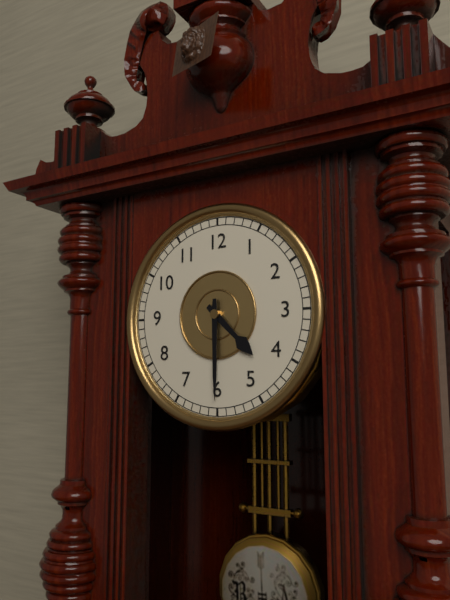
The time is {"hour": 4, "minute": 30}
